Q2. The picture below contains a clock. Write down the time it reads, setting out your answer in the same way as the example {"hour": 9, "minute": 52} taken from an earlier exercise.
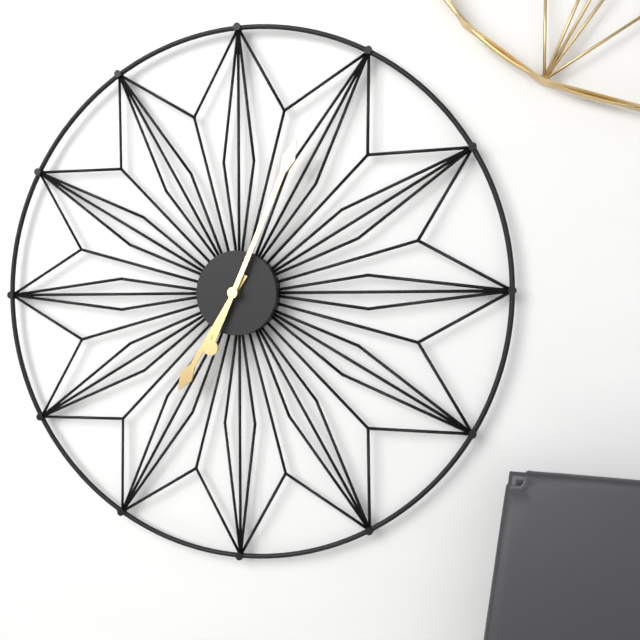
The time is {"hour": 7, "minute": 4}
